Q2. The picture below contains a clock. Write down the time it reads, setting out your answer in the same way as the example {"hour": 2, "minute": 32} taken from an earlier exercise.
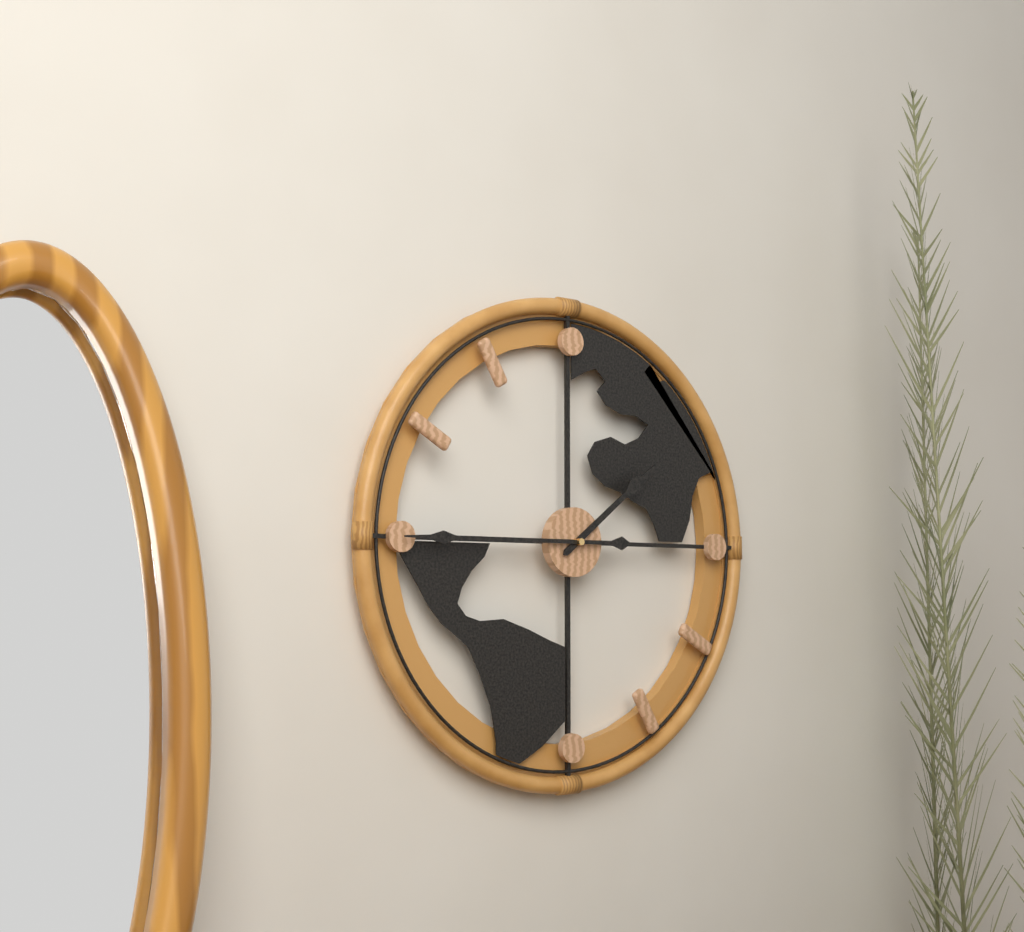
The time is {"hour": 1, "minute": 45}
